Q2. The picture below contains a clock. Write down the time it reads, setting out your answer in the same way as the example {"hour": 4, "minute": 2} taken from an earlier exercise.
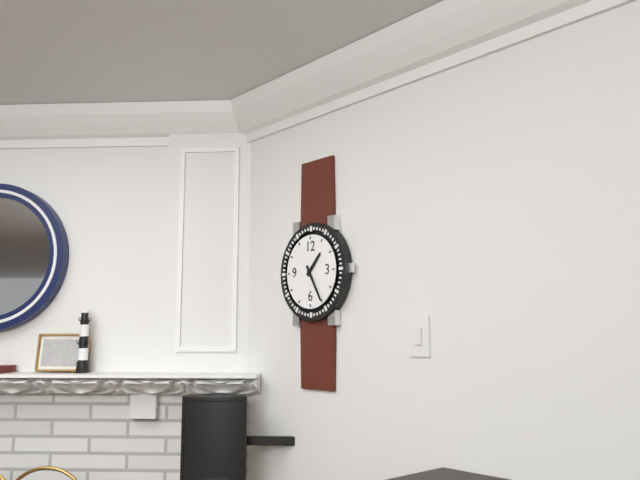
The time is {"hour": 1, "minute": 25}
